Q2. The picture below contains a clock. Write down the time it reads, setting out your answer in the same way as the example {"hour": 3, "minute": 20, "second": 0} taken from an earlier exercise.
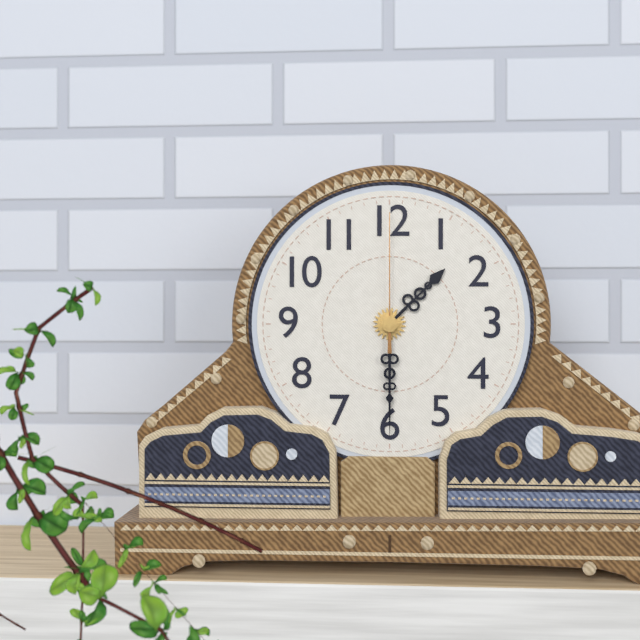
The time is {"hour": 1, "minute": 30, "second": 0}
